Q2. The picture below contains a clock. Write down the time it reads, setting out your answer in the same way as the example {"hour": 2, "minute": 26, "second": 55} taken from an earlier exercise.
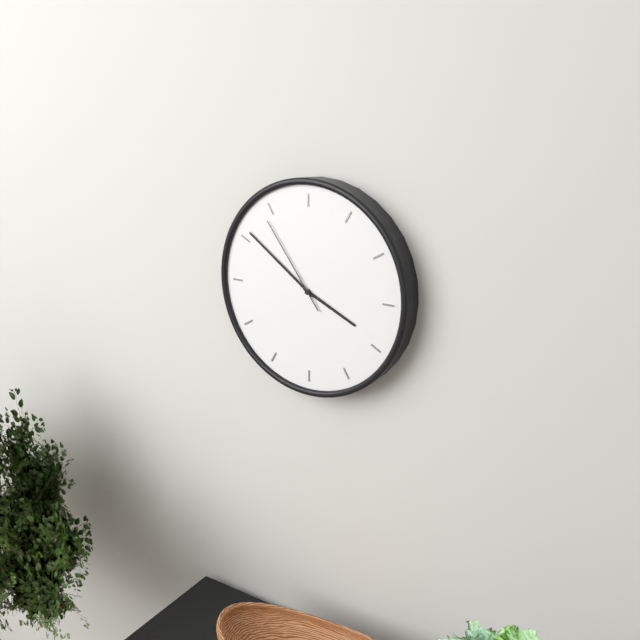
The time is {"hour": 3, "minute": 51, "second": 54}
